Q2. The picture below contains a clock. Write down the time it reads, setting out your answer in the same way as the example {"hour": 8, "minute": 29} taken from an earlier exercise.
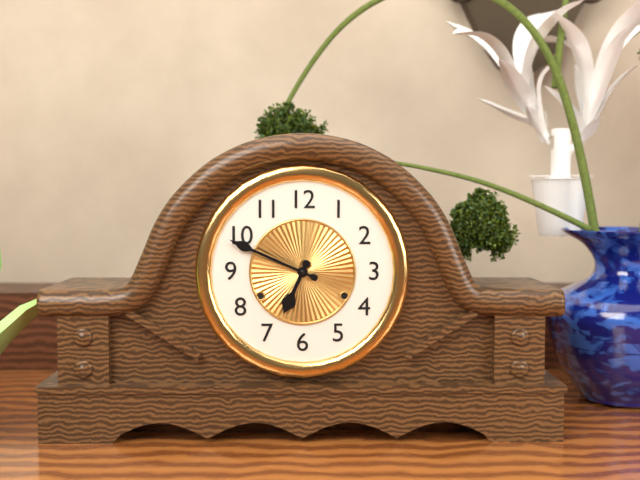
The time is {"hour": 6, "minute": 49}
